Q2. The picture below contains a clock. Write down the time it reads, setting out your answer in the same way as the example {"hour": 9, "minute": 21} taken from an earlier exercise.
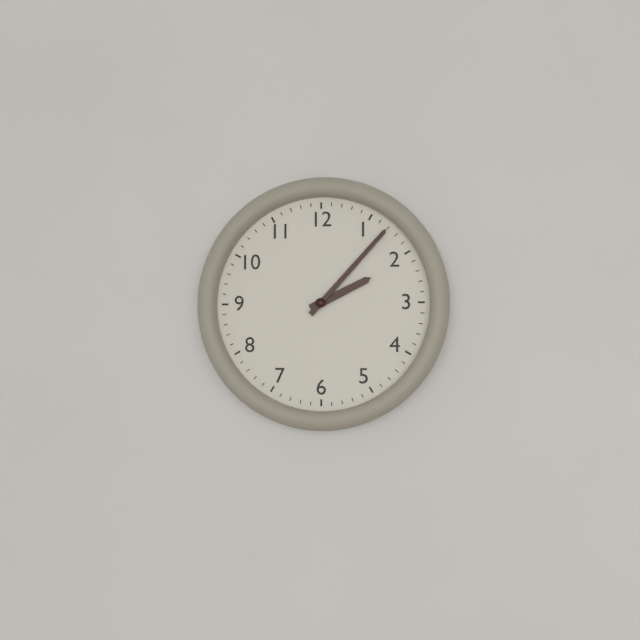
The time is {"hour": 2, "minute": 7}
